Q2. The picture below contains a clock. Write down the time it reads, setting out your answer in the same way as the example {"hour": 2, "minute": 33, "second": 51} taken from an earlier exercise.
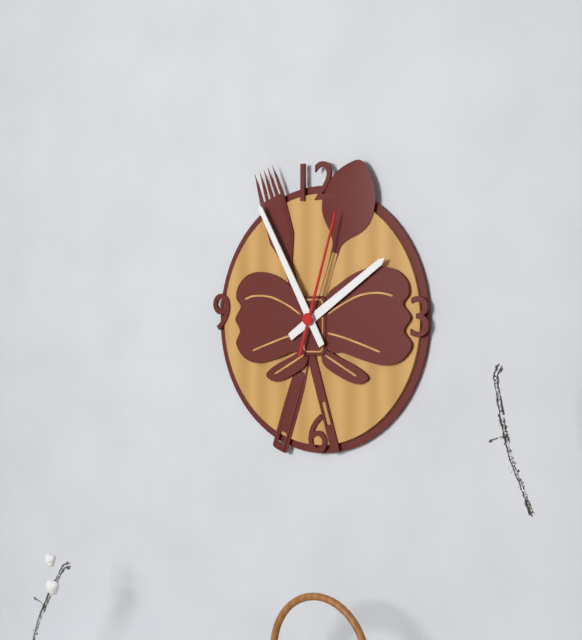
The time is {"hour": 1, "minute": 55, "second": 3}
